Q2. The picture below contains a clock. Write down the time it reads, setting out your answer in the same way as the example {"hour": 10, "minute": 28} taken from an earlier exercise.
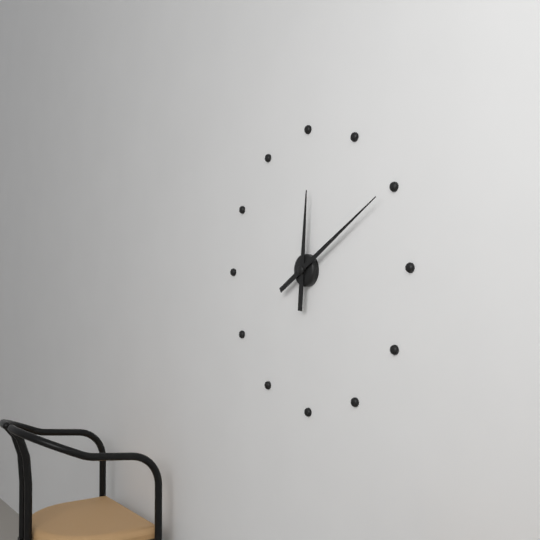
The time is {"hour": 12, "minute": 10}
